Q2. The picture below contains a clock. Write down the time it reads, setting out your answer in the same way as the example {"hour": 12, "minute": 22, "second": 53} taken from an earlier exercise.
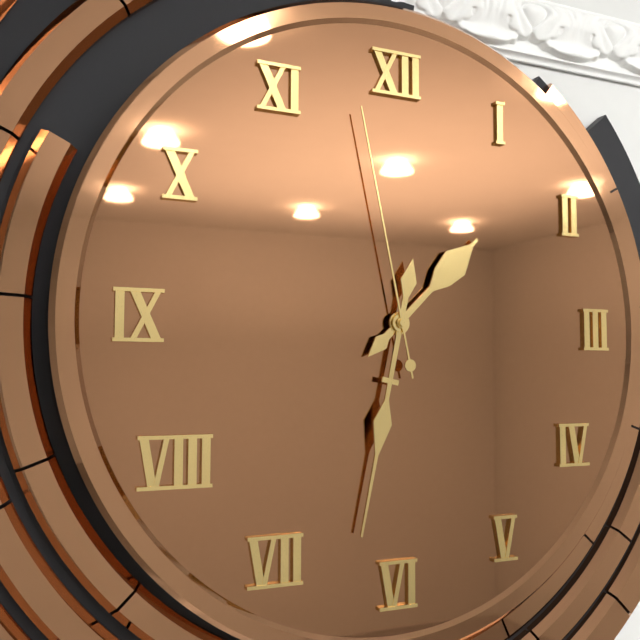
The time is {"hour": 1, "minute": 32, "second": 58}
